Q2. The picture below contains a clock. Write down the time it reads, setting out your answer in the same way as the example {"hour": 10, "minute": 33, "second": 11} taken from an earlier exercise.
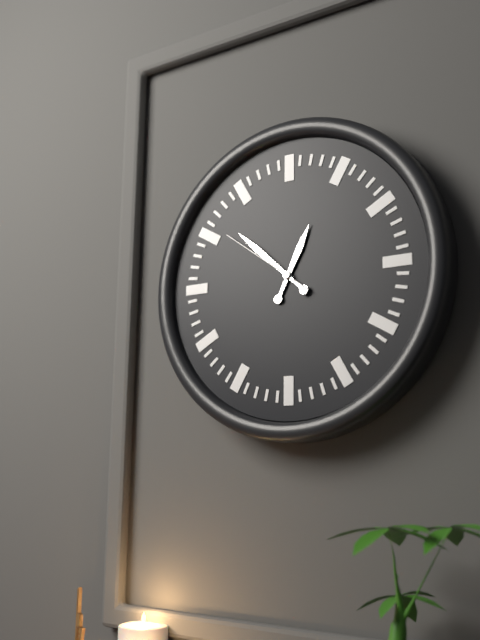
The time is {"hour": 12, "minute": 52, "second": 51}
